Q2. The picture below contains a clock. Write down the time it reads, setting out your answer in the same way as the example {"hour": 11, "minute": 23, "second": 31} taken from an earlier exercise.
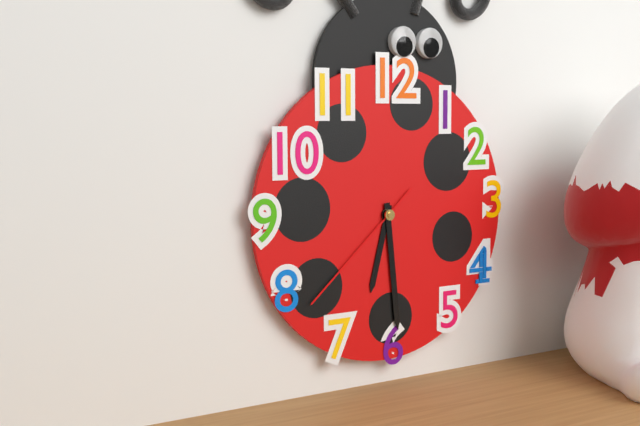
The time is {"hour": 6, "minute": 29, "second": 38}
